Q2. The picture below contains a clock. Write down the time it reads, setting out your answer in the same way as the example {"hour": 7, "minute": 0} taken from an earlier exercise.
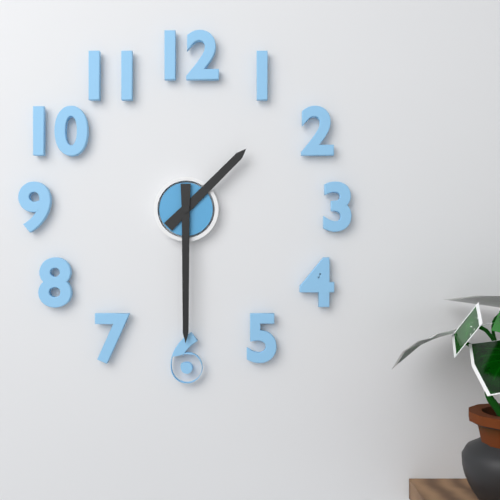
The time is {"hour": 1, "minute": 30}
